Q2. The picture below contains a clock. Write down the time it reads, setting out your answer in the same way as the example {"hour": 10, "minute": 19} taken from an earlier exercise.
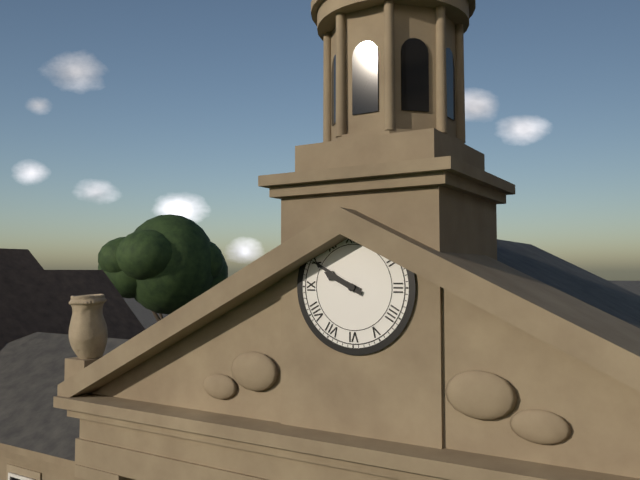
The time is {"hour": 9, "minute": 50}
